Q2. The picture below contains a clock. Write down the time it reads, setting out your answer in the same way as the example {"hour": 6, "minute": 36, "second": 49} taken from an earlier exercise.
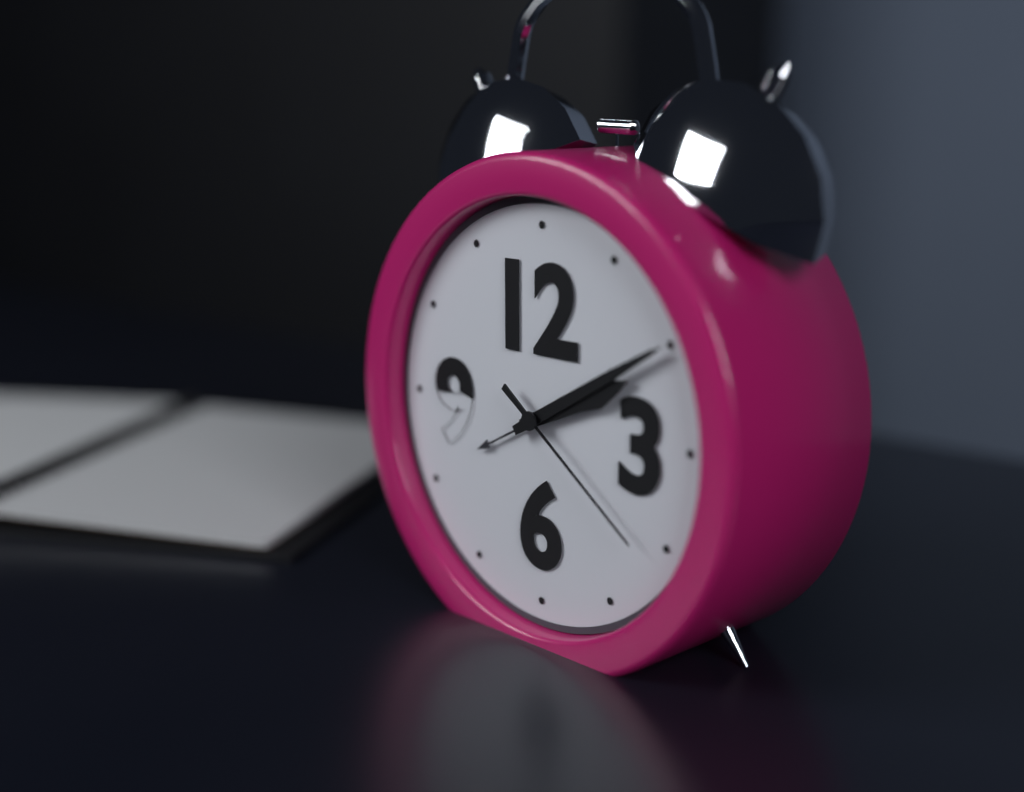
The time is {"hour": 2, "minute": 10, "second": 21}
